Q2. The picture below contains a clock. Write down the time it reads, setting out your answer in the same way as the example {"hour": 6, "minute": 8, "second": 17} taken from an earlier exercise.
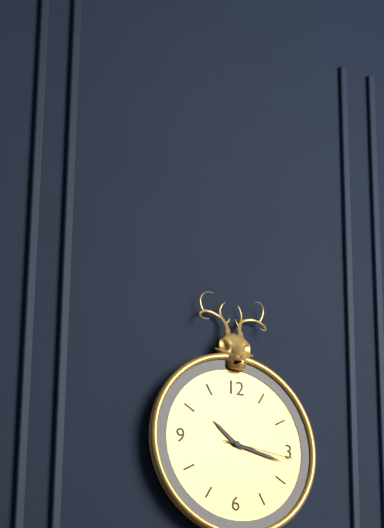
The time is {"hour": 10, "minute": 17, "second": 16}
